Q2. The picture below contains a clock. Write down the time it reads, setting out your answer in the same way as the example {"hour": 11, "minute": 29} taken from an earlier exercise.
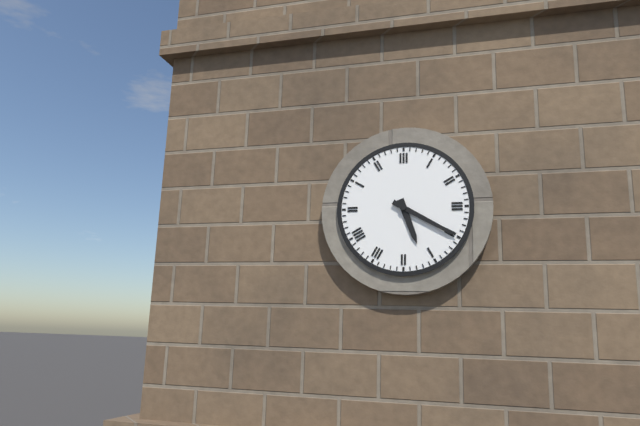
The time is {"hour": 5, "minute": 20}
